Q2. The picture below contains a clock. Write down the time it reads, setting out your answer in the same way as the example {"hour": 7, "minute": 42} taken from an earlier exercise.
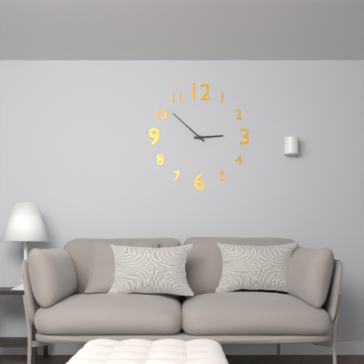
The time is {"hour": 2, "minute": 52}
